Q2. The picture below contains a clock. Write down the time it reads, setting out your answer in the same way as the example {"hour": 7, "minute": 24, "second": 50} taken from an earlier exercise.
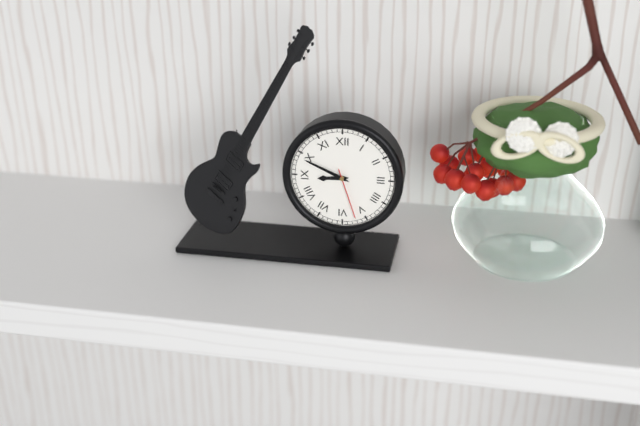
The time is {"hour": 8, "minute": 49, "second": 27}
